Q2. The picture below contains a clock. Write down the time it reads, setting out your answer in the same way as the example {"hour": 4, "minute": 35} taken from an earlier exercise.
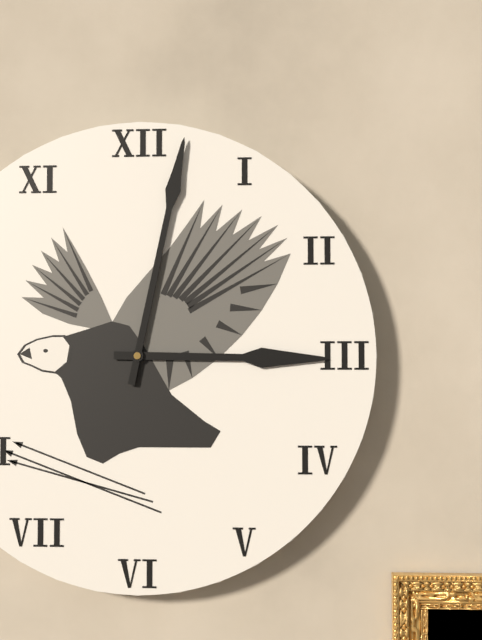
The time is {"hour": 3, "minute": 2}
